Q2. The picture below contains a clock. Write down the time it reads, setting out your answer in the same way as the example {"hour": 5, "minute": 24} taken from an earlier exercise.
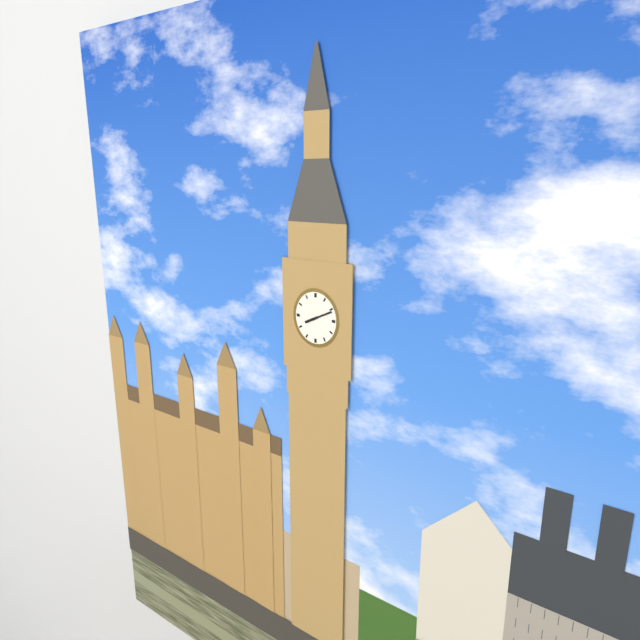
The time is {"hour": 8, "minute": 11}
